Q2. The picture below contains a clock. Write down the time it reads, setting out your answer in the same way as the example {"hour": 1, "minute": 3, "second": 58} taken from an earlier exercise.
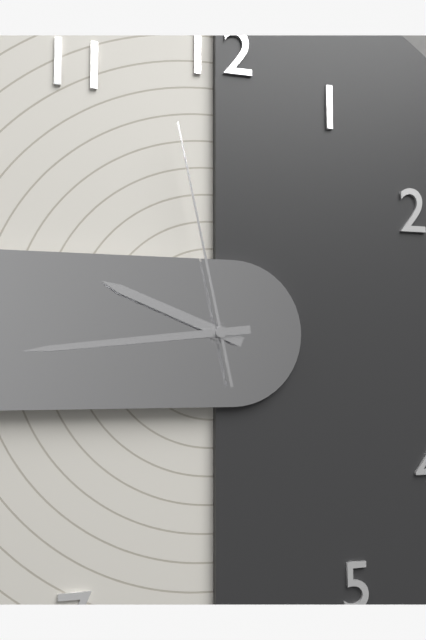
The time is {"hour": 9, "minute": 44, "second": 58}
